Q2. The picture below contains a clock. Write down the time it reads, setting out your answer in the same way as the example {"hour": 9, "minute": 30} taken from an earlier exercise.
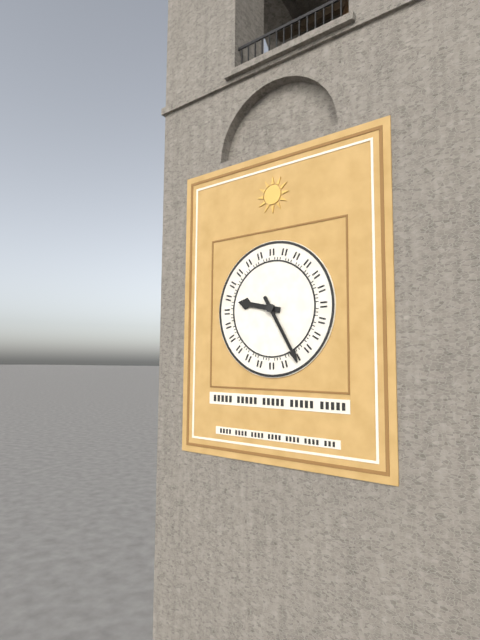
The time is {"hour": 9, "minute": 25}
